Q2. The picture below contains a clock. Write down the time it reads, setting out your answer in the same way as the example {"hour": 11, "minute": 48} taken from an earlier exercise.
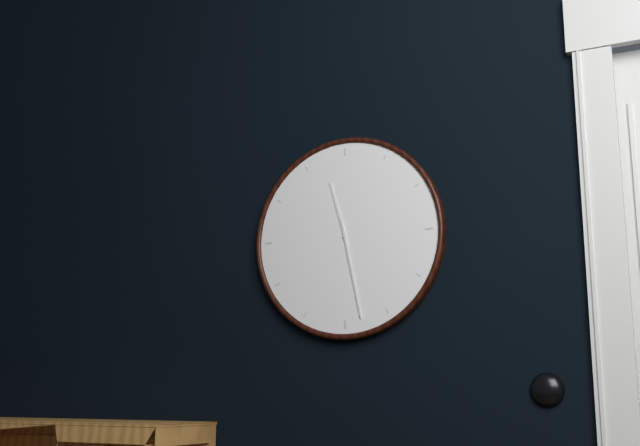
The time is {"hour": 11, "minute": 28}
